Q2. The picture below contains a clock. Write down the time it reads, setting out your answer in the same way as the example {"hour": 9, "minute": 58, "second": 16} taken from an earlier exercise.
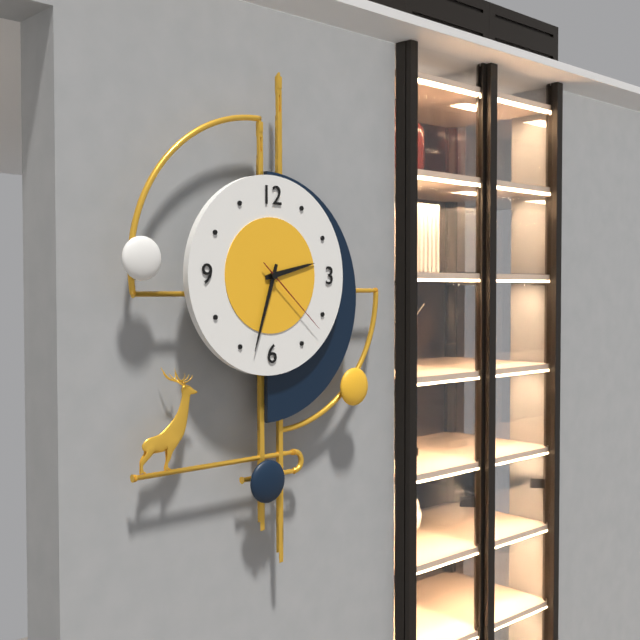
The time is {"hour": 2, "minute": 33, "second": 22}
